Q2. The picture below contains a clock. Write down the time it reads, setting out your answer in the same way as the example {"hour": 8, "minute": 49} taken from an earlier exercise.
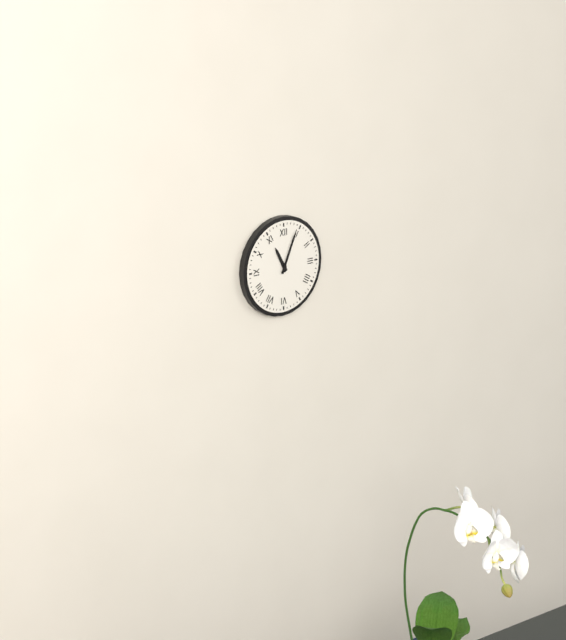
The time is {"hour": 11, "minute": 4}
